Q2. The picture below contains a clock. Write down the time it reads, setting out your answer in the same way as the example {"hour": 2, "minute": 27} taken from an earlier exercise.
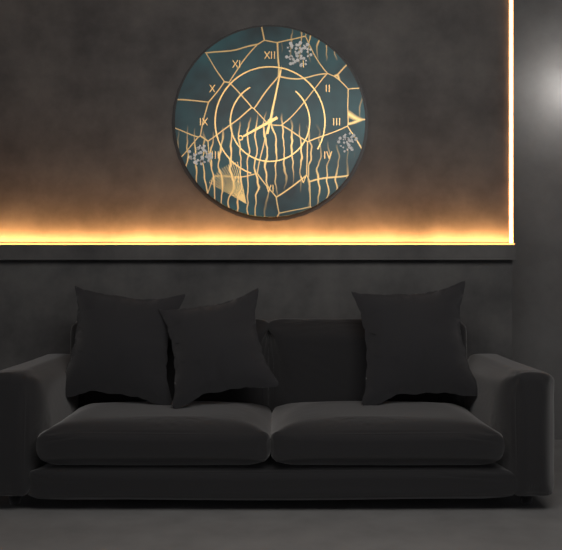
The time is {"hour": 8, "minute": 2}
